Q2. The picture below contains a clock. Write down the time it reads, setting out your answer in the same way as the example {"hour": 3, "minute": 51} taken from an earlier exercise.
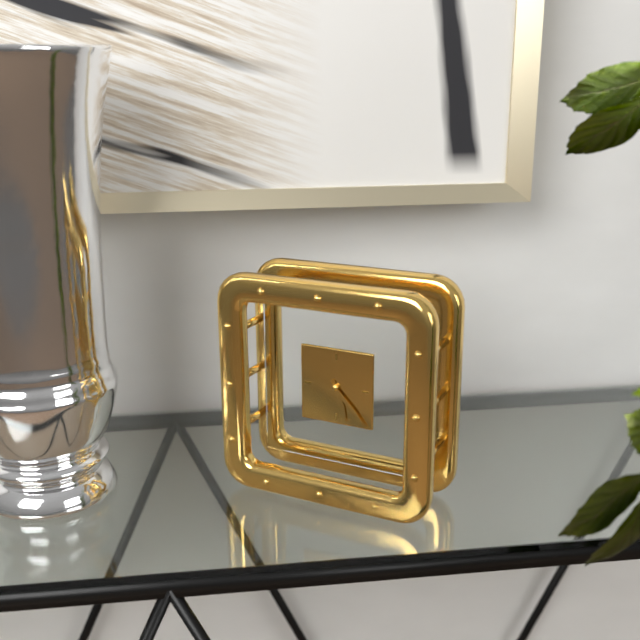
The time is {"hour": 5, "minute": 23}
